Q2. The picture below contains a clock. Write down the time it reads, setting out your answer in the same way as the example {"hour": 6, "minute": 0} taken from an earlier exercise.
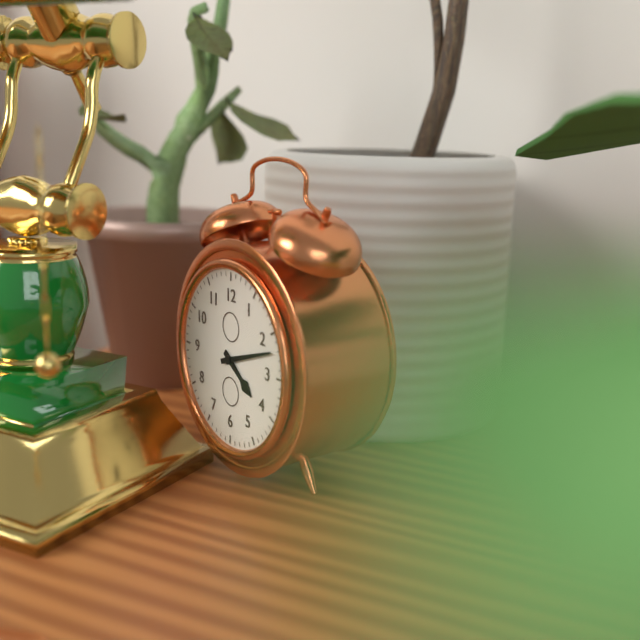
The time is {"hour": 4, "minute": 12}
